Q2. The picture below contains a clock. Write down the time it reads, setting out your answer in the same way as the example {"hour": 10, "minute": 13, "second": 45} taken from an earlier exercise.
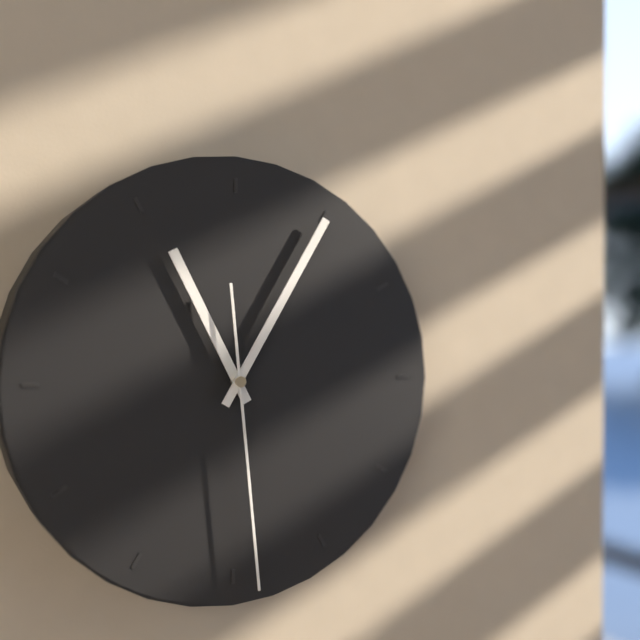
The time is {"hour": 11, "minute": 5, "second": 29}
